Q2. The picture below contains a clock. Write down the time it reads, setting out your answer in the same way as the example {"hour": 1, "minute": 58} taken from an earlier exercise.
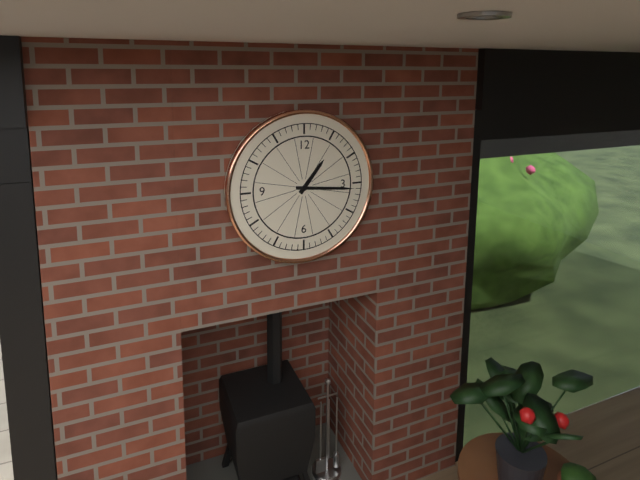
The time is {"hour": 1, "minute": 16}
